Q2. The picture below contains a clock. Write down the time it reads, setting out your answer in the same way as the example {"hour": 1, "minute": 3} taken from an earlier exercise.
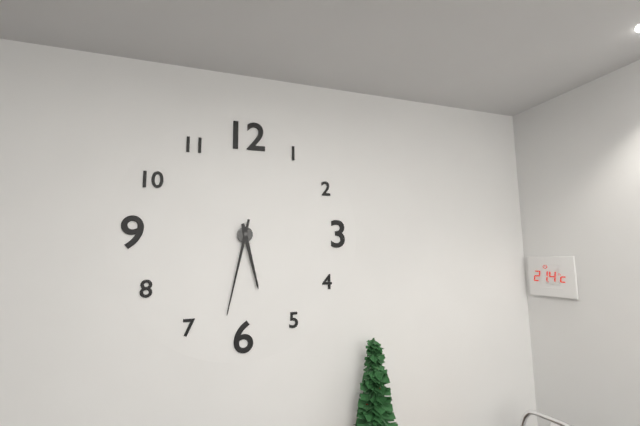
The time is {"hour": 5, "minute": 32}
